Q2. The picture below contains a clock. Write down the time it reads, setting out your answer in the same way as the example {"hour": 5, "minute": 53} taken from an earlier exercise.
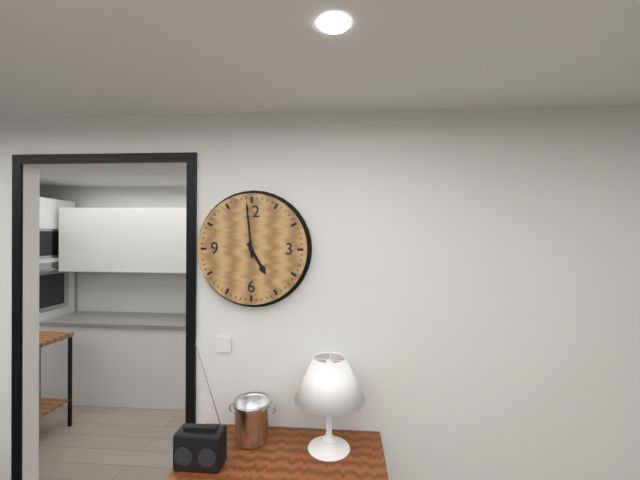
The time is {"hour": 4, "minute": 59}
